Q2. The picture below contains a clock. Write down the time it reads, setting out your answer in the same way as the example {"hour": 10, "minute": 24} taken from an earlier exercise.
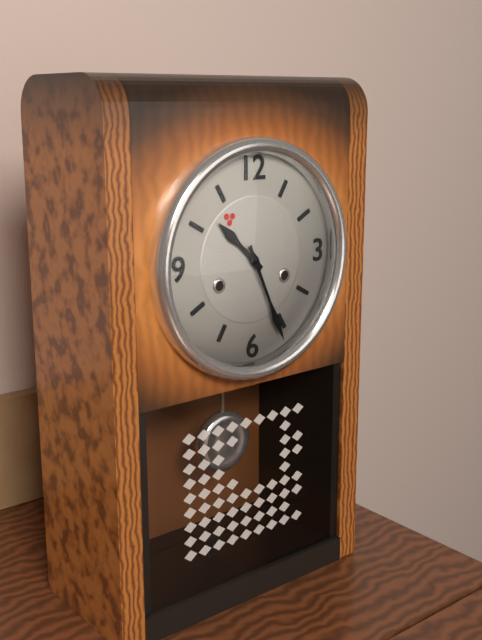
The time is {"hour": 10, "minute": 26}
